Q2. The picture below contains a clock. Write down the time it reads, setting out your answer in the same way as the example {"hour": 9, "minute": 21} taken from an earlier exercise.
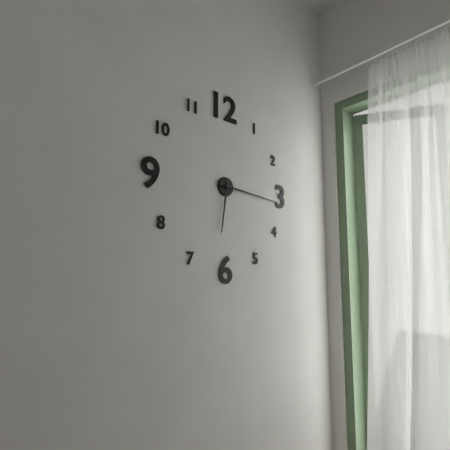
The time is {"hour": 6, "minute": 16}
